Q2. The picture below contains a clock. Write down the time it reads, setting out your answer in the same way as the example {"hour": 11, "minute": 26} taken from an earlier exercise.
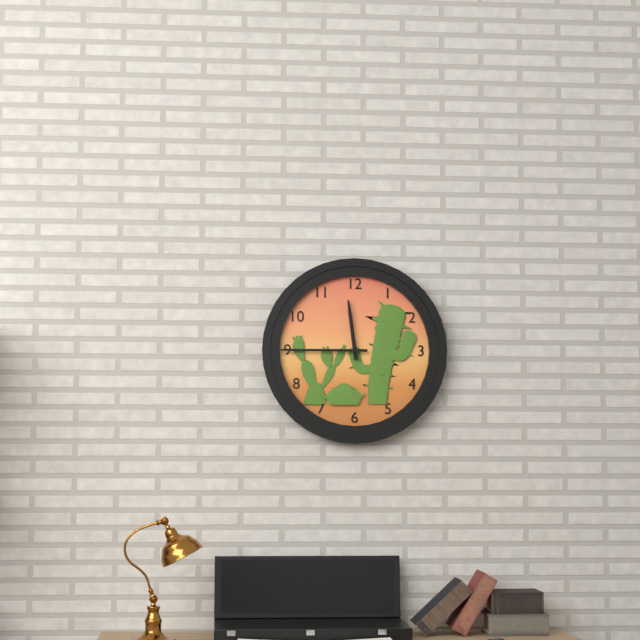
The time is {"hour": 11, "minute": 45}
